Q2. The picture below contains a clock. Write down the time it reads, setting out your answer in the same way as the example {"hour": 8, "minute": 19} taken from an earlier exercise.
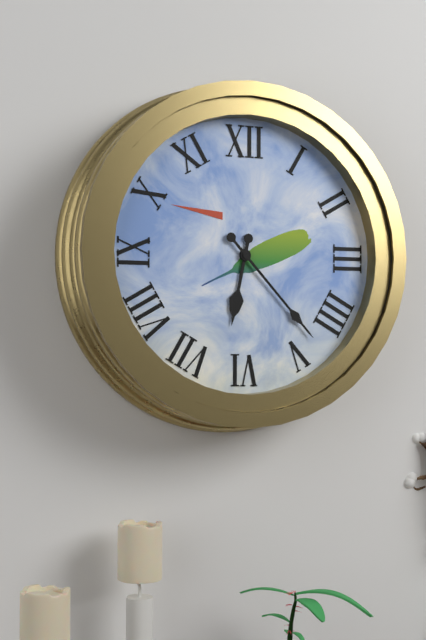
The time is {"hour": 6, "minute": 23}
